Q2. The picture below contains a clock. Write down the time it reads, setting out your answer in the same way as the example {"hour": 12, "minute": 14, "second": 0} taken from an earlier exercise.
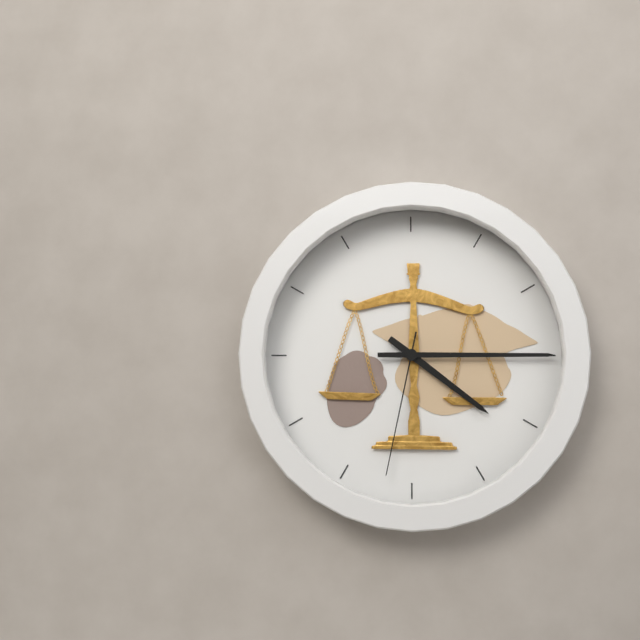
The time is {"hour": 4, "minute": 15, "second": 32}
